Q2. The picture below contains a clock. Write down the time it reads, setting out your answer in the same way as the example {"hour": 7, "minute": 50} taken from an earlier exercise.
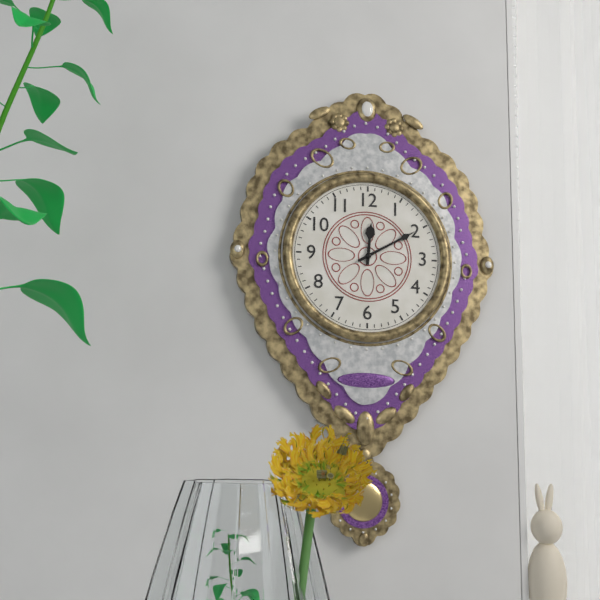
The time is {"hour": 12, "minute": 10}
